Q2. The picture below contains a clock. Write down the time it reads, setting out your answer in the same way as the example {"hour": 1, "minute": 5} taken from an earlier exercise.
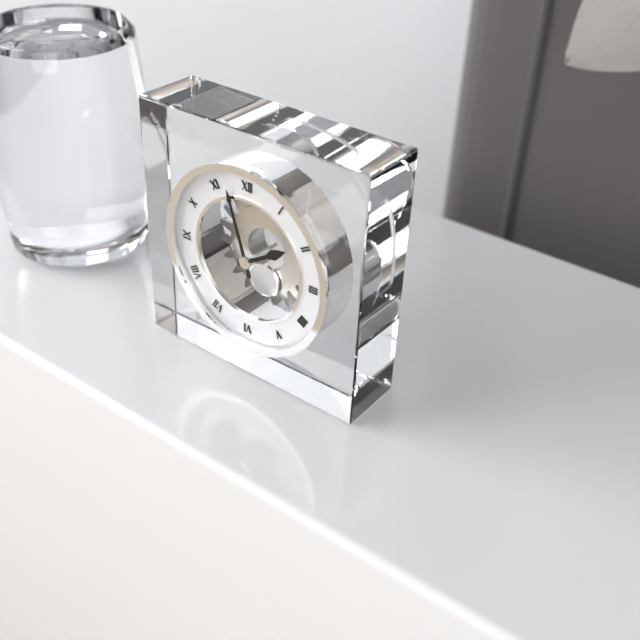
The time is {"hour": 1, "minute": 57}
